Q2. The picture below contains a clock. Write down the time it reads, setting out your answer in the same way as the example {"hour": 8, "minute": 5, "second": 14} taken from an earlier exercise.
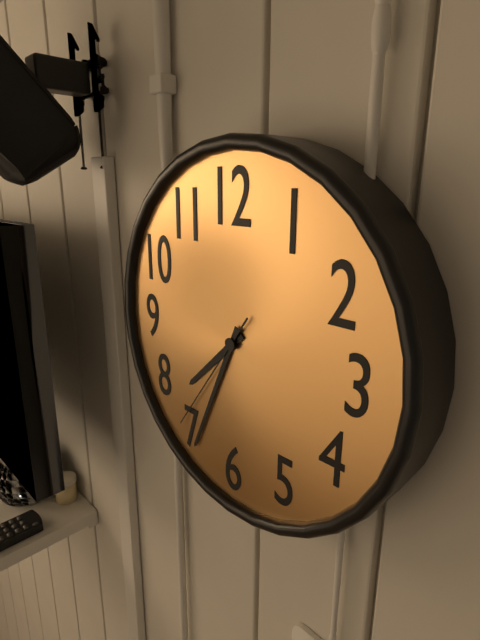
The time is {"hour": 7, "minute": 34, "second": 36}
